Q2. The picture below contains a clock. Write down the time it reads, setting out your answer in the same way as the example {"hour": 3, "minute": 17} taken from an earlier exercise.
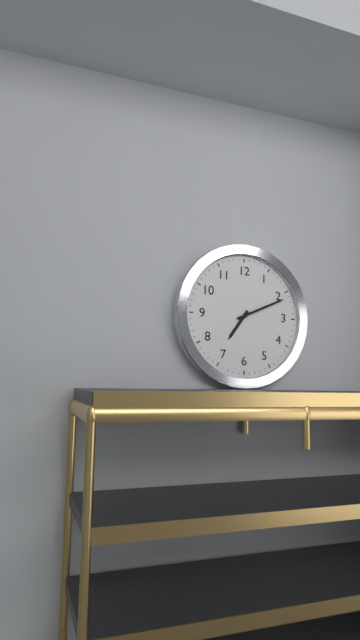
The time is {"hour": 7, "minute": 11}
